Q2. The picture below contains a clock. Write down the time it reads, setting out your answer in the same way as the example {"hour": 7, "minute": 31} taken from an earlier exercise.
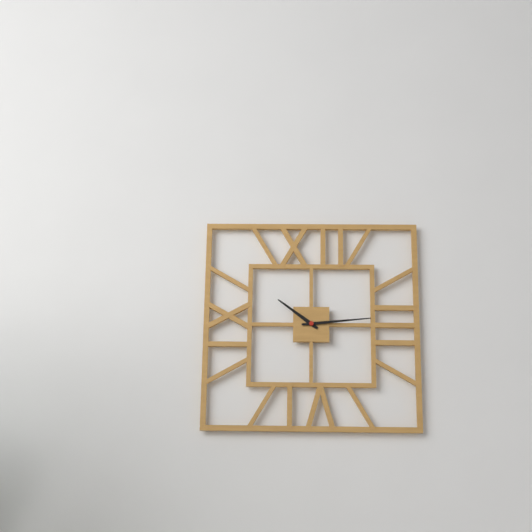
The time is {"hour": 10, "minute": 14}
